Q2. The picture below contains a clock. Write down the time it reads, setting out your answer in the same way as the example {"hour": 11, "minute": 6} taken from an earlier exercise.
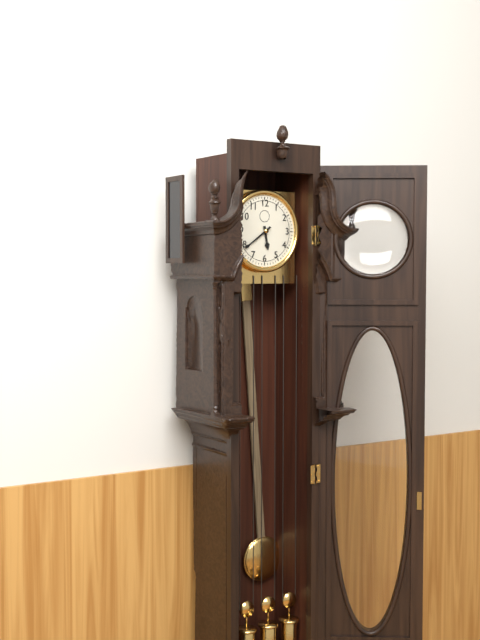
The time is {"hour": 5, "minute": 39}
